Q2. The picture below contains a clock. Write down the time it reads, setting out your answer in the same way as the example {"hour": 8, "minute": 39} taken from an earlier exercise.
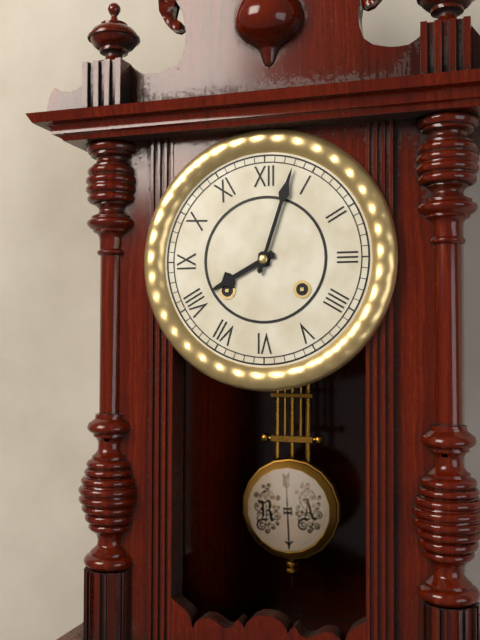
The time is {"hour": 8, "minute": 3}
